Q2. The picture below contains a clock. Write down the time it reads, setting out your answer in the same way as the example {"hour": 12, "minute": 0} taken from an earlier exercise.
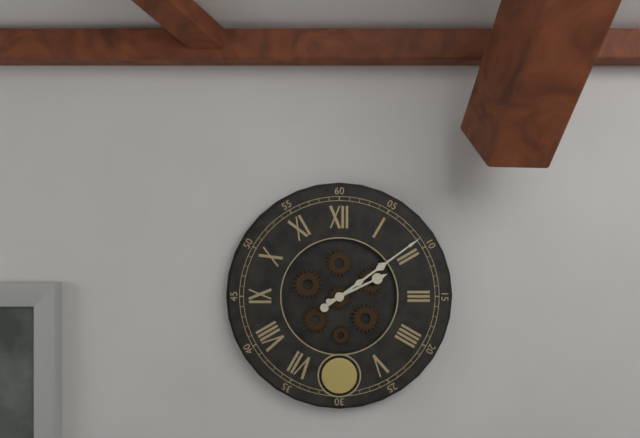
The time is {"hour": 2, "minute": 9}
